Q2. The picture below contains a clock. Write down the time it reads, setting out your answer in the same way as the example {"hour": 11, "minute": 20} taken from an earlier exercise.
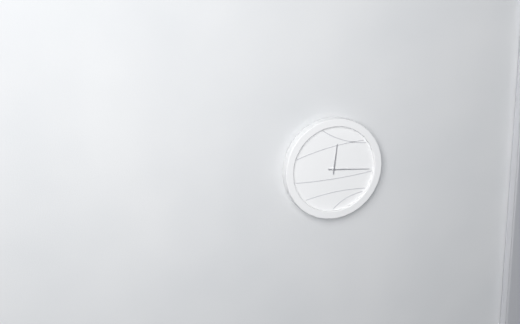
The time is {"hour": 12, "minute": 16}
